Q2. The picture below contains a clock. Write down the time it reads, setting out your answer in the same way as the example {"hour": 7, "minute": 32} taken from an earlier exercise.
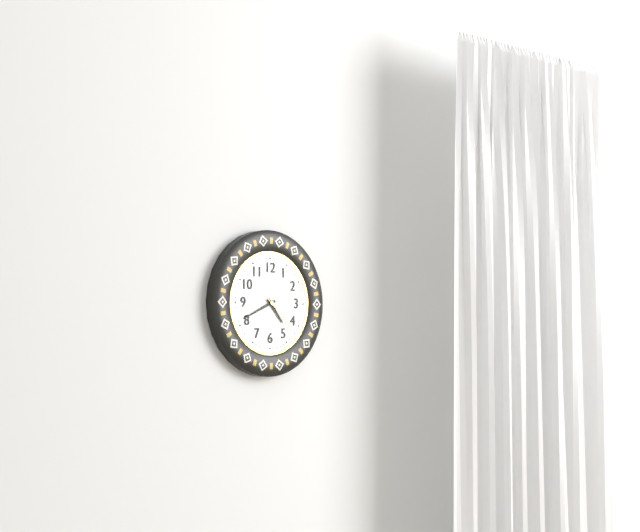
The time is {"hour": 4, "minute": 41}
